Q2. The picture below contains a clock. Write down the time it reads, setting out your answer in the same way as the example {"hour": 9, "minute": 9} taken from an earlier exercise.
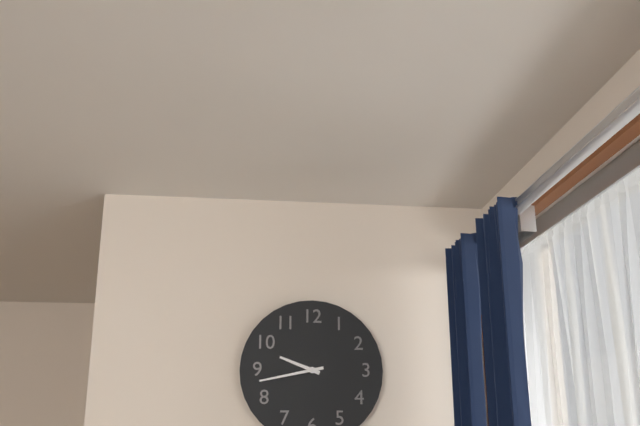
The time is {"hour": 9, "minute": 43}
